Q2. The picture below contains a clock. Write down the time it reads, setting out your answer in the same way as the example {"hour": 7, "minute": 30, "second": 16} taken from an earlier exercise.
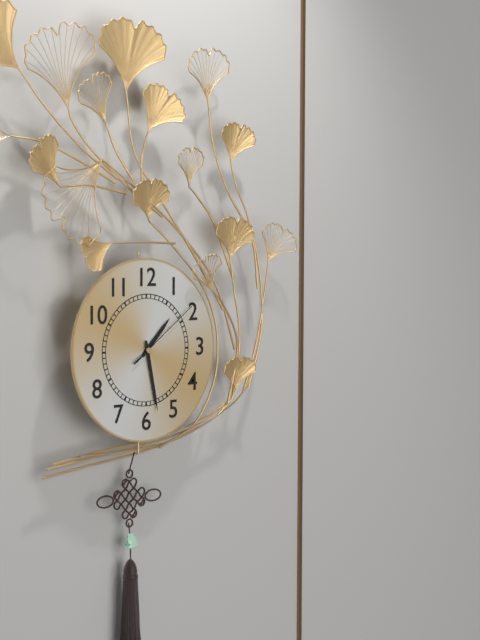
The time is {"hour": 1, "minute": 28, "second": 9}
